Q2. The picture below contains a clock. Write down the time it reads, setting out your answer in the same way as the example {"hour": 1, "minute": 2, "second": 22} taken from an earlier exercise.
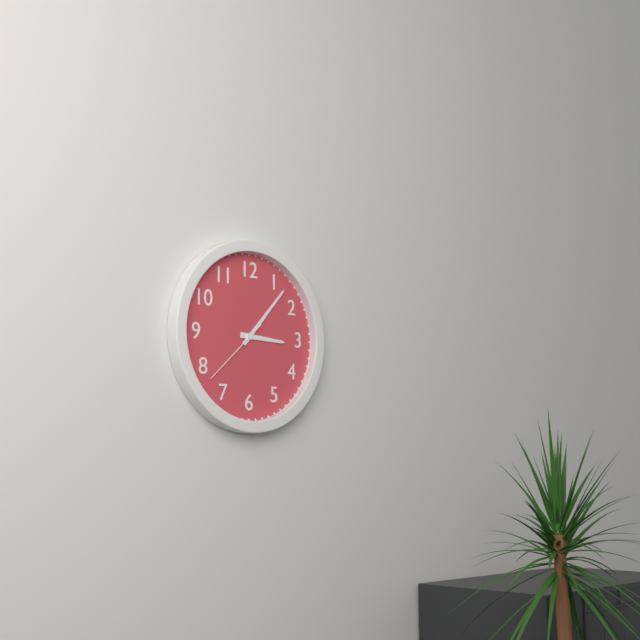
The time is {"hour": 3, "minute": 7, "second": 38}
